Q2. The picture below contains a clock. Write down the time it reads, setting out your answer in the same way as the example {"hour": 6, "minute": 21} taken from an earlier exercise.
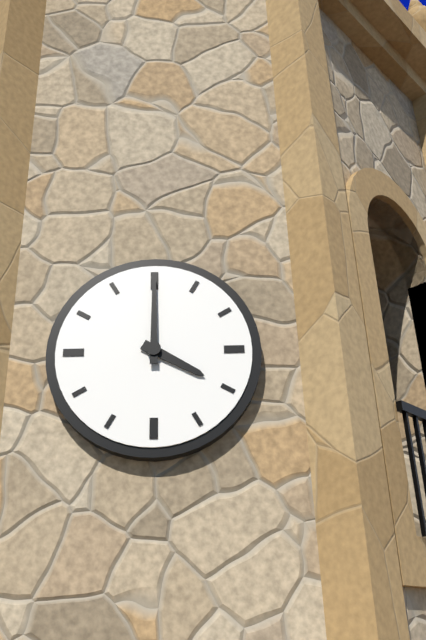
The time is {"hour": 4, "minute": 0}
